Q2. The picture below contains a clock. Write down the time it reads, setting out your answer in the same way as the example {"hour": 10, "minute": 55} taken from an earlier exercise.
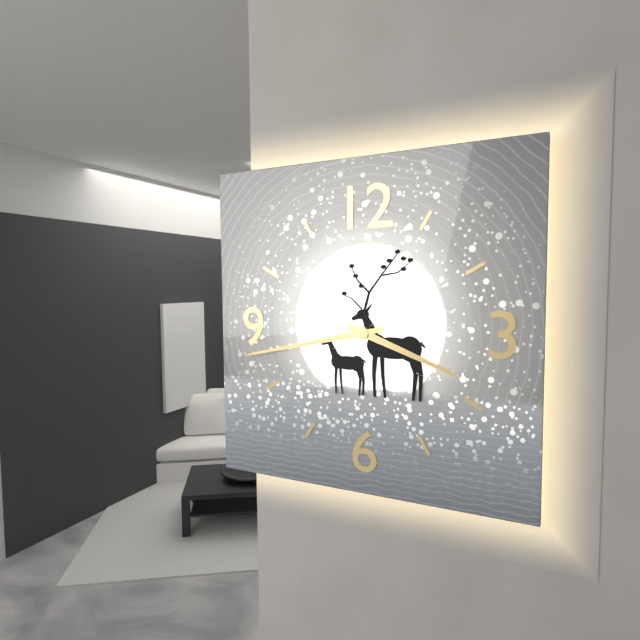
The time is {"hour": 3, "minute": 43}
